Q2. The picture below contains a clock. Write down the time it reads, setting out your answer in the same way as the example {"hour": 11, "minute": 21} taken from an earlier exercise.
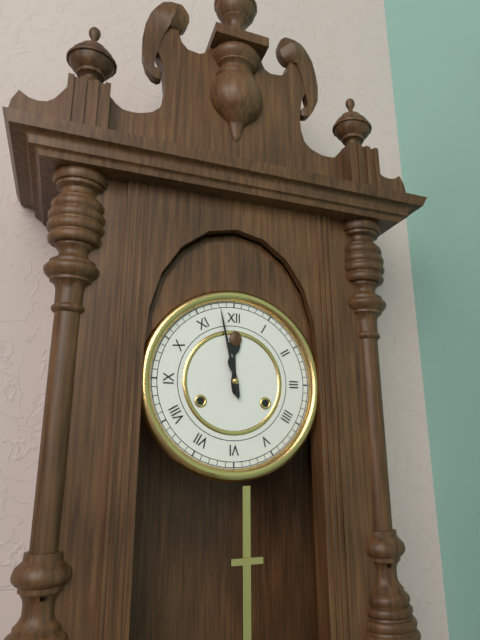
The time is {"hour": 11, "minute": 58}
